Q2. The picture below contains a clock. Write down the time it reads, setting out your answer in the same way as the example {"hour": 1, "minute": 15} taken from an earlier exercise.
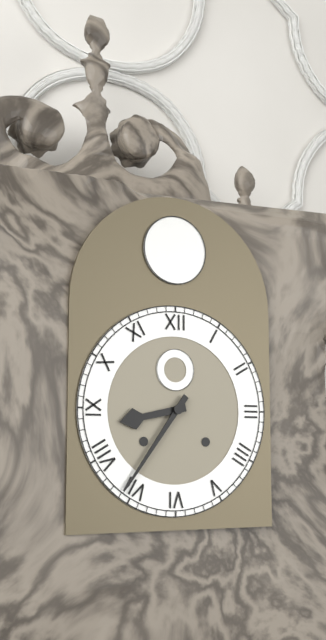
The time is {"hour": 8, "minute": 36}
